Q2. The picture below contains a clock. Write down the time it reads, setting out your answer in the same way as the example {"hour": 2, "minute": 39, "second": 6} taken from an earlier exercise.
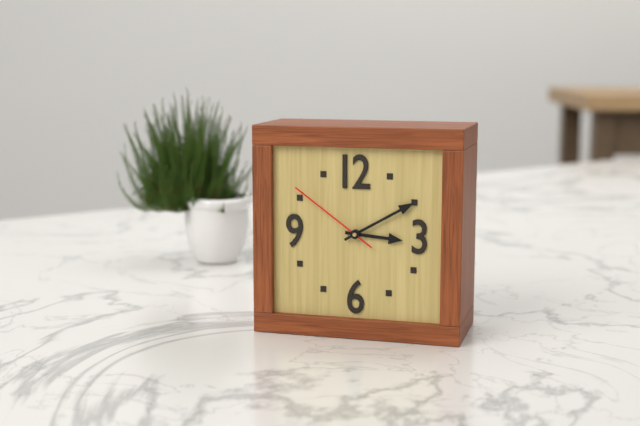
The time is {"hour": 3, "minute": 10, "second": 51}
